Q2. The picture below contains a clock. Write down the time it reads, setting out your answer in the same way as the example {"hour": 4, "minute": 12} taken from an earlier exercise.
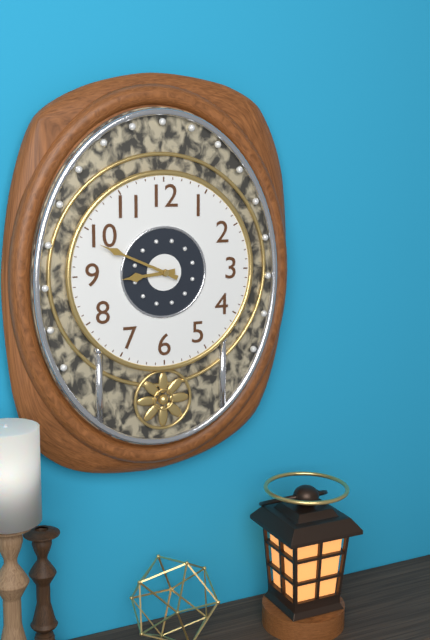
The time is {"hour": 8, "minute": 49}
